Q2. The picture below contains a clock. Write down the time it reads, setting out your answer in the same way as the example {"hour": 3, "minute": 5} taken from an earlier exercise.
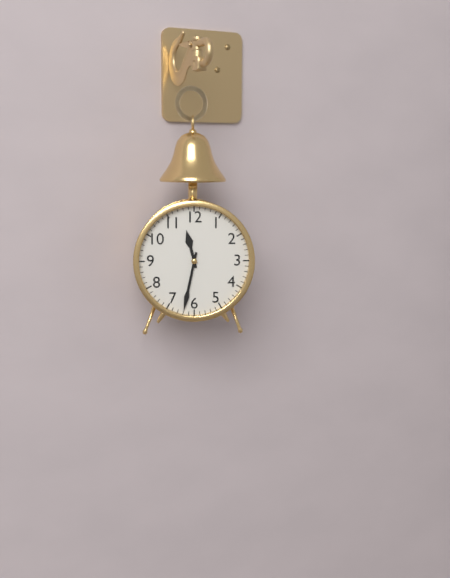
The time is {"hour": 11, "minute": 32}
